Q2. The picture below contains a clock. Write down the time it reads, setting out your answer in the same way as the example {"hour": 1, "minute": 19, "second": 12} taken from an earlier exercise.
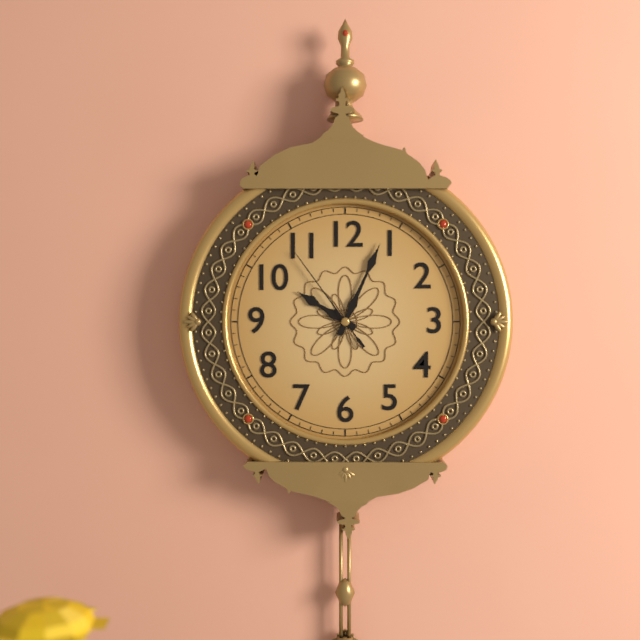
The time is {"hour": 10, "minute": 4, "second": 54}
